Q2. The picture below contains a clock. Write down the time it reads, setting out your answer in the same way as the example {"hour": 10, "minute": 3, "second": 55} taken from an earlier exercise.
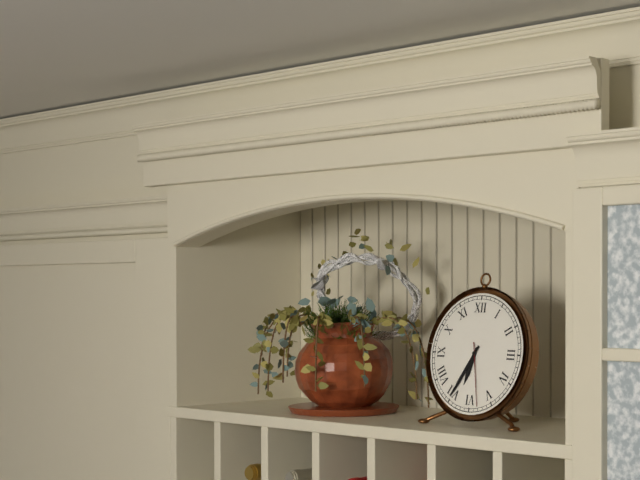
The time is {"hour": 6, "minute": 35, "second": 28}
